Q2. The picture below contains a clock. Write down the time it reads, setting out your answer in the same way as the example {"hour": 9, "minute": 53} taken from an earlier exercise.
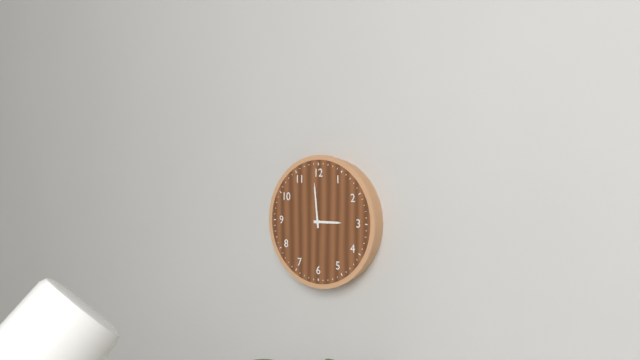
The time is {"hour": 2, "minute": 59}
